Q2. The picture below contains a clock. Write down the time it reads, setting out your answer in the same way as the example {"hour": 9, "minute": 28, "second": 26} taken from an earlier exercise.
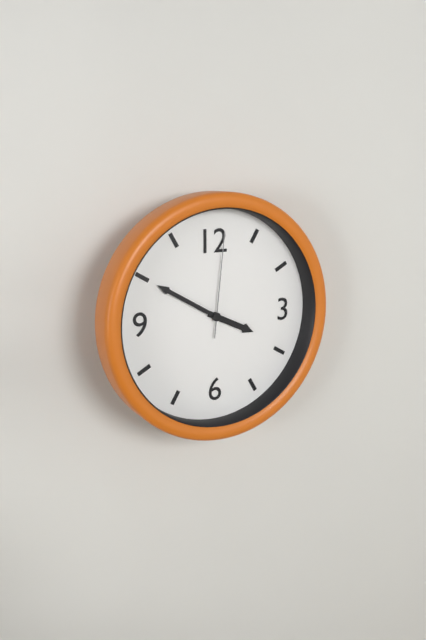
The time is {"hour": 3, "minute": 50, "second": 1}
